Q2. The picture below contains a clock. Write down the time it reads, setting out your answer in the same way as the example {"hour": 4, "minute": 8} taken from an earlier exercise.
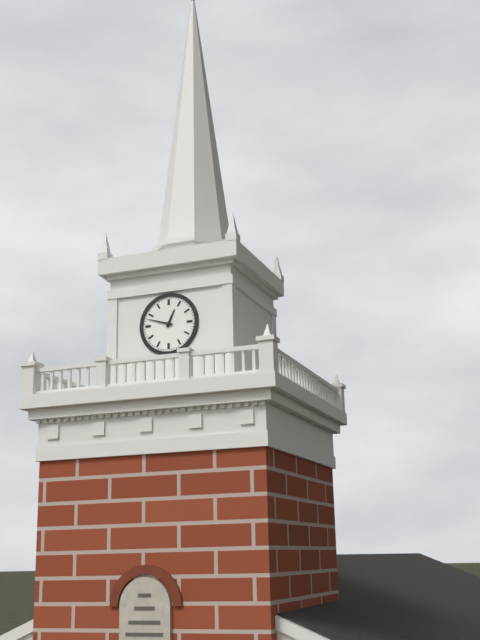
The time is {"hour": 12, "minute": 48}
